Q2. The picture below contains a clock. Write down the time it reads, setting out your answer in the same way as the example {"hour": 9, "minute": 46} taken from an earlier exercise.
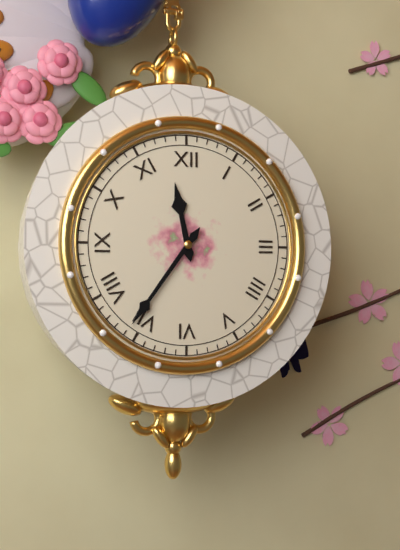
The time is {"hour": 11, "minute": 36}
